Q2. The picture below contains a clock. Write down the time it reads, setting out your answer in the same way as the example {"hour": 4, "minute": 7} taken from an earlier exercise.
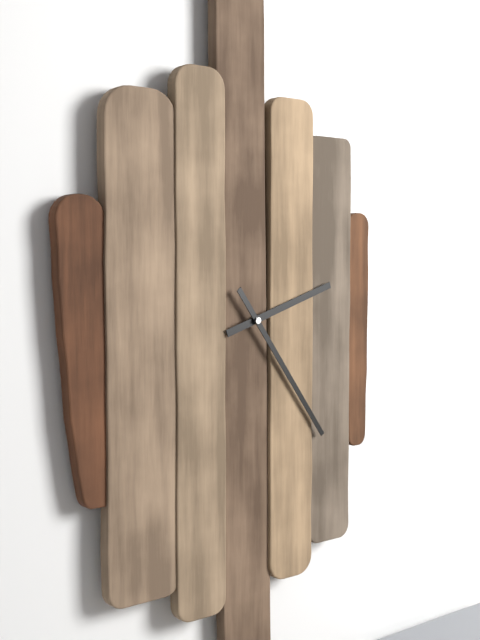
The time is {"hour": 2, "minute": 24}
